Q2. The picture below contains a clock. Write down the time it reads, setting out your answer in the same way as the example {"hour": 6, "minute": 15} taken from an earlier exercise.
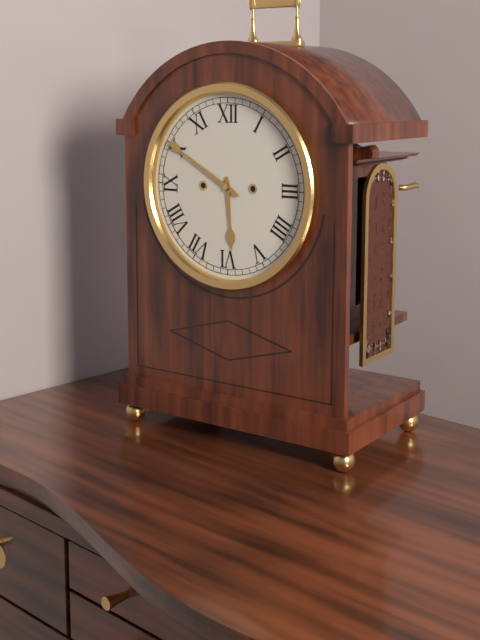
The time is {"hour": 5, "minute": 50}
